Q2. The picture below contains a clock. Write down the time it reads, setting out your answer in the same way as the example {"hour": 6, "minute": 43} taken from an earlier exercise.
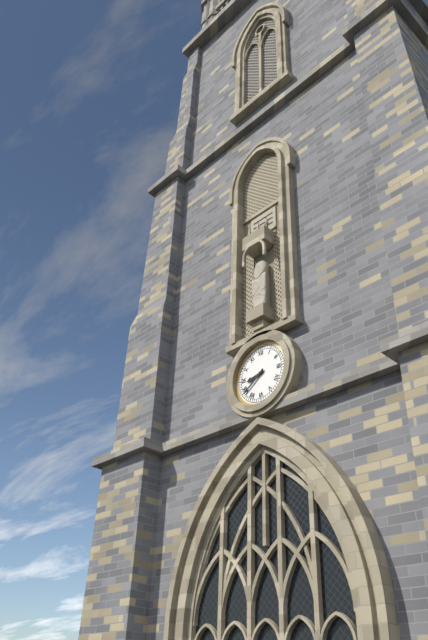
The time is {"hour": 8, "minute": 39}
